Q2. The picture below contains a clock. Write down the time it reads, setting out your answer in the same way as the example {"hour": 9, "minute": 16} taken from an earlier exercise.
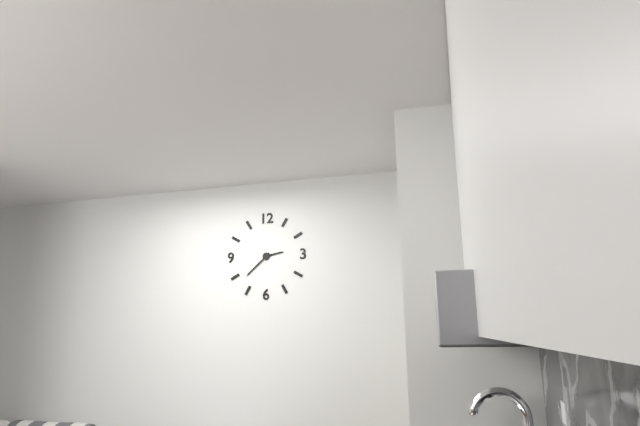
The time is {"hour": 2, "minute": 38}
